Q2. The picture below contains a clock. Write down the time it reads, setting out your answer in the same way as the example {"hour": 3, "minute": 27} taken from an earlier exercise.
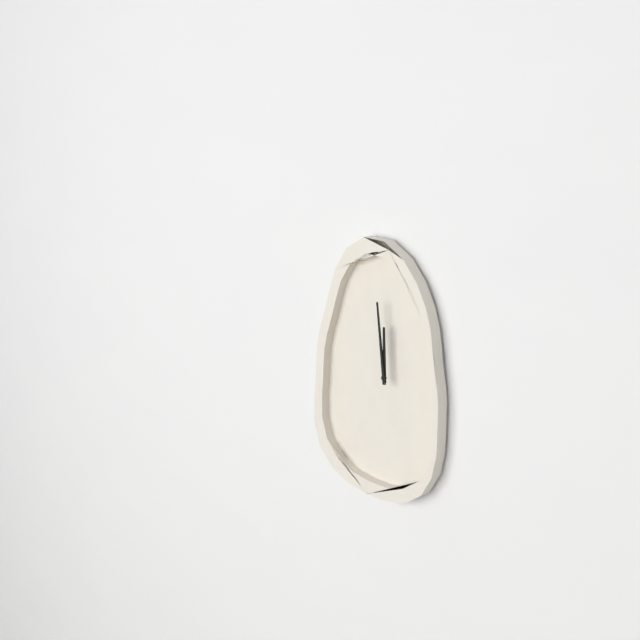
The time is {"hour": 11, "minute": 59}
